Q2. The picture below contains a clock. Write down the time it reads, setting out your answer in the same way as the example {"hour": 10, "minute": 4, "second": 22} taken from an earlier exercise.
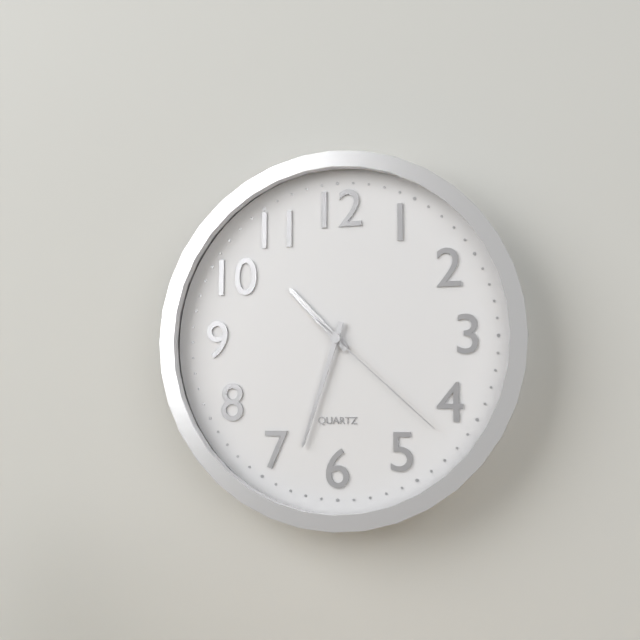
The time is {"hour": 10, "minute": 33, "second": 22}
